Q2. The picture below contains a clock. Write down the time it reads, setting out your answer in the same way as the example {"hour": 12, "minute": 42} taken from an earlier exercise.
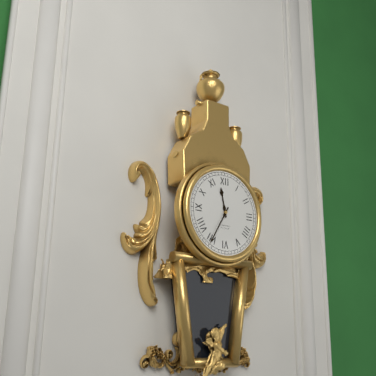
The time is {"hour": 11, "minute": 35}
